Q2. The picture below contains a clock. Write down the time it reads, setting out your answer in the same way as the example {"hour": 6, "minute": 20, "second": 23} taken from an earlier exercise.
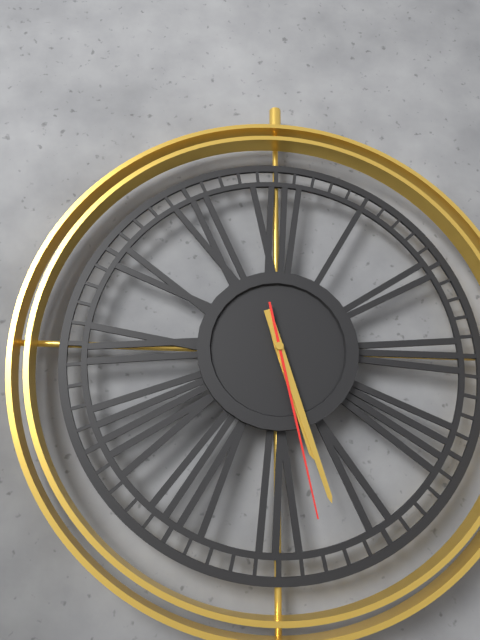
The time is {"hour": 5, "minute": 27, "second": 28}
